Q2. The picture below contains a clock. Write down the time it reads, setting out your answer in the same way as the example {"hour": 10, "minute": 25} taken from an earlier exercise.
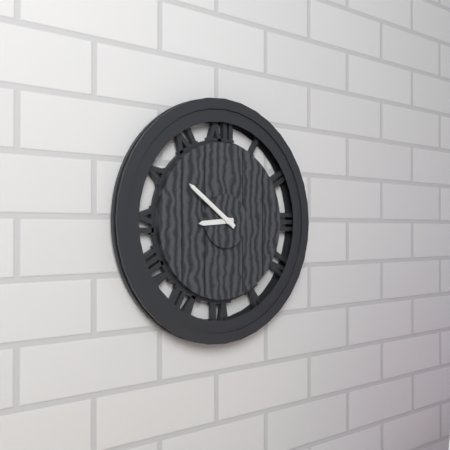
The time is {"hour": 8, "minute": 51}
